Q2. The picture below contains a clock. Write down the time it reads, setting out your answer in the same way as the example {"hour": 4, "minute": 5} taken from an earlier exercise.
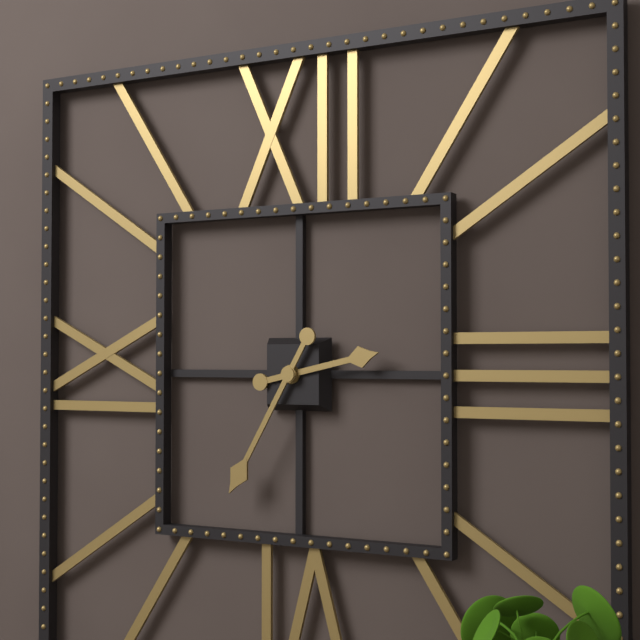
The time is {"hour": 2, "minute": 35}
